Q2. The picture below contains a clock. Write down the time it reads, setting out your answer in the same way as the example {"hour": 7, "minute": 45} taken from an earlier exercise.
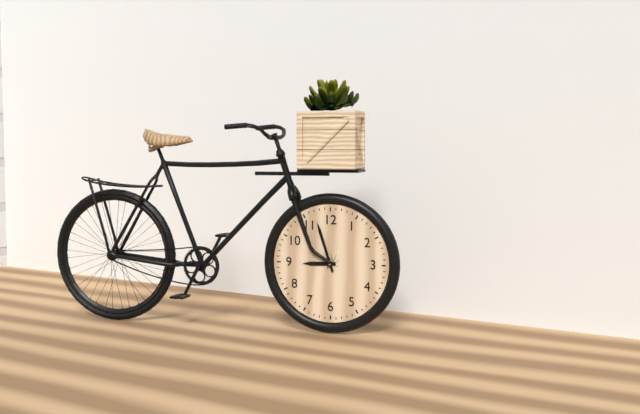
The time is {"hour": 8, "minute": 57}
